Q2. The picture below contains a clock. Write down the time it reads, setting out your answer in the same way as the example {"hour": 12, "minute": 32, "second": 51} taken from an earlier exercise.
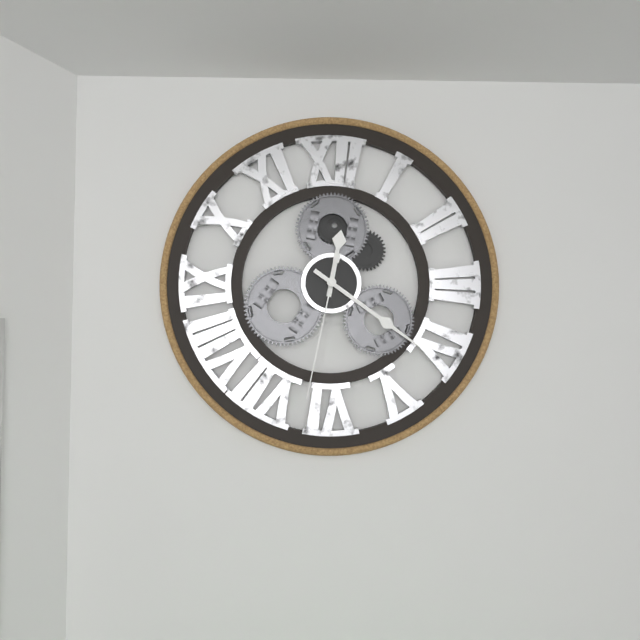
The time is {"hour": 12, "minute": 21, "second": 32}
